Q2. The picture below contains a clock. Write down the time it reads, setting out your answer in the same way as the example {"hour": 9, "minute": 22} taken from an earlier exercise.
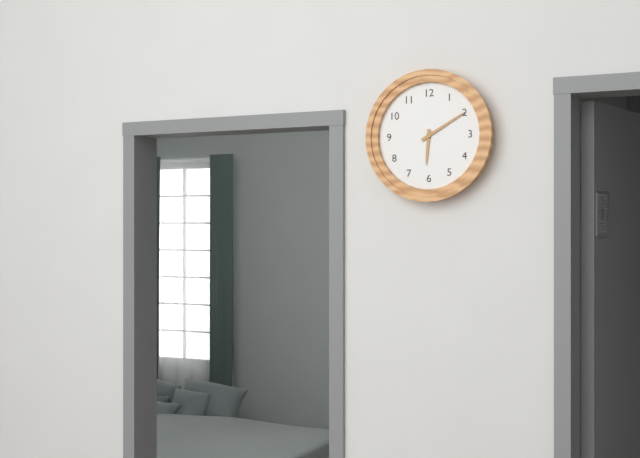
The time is {"hour": 6, "minute": 10}
